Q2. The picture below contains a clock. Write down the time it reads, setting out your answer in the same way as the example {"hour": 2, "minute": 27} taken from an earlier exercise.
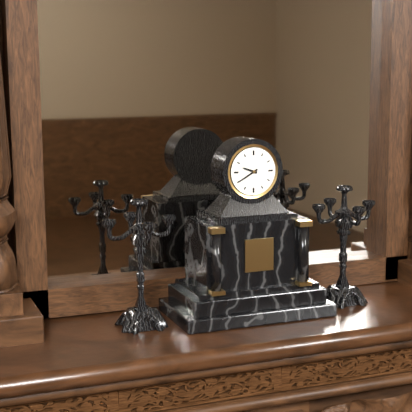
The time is {"hour": 9, "minute": 40}
